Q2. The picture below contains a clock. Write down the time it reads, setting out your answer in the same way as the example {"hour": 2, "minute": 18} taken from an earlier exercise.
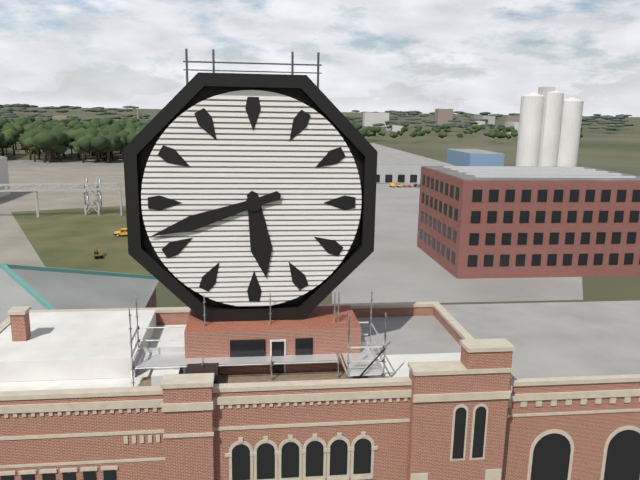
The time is {"hour": 5, "minute": 42}
